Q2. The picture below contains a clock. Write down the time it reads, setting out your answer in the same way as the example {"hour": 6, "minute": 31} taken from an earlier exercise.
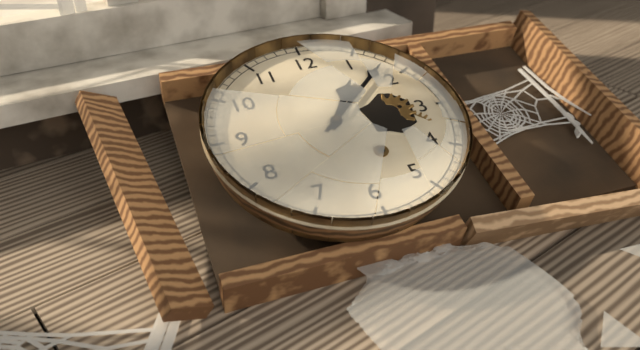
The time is {"hour": 1, "minute": 8}
